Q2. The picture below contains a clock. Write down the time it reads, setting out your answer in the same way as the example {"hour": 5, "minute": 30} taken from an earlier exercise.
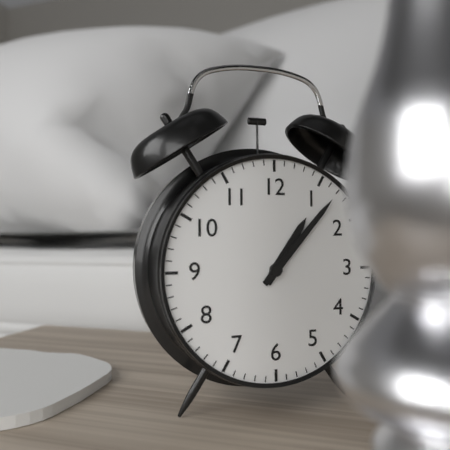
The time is {"hour": 1, "minute": 7}
